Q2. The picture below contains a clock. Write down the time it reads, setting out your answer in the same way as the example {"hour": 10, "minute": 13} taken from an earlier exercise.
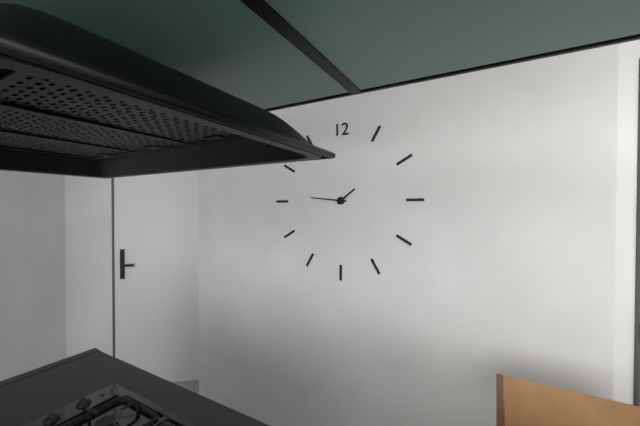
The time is {"hour": 1, "minute": 46}
